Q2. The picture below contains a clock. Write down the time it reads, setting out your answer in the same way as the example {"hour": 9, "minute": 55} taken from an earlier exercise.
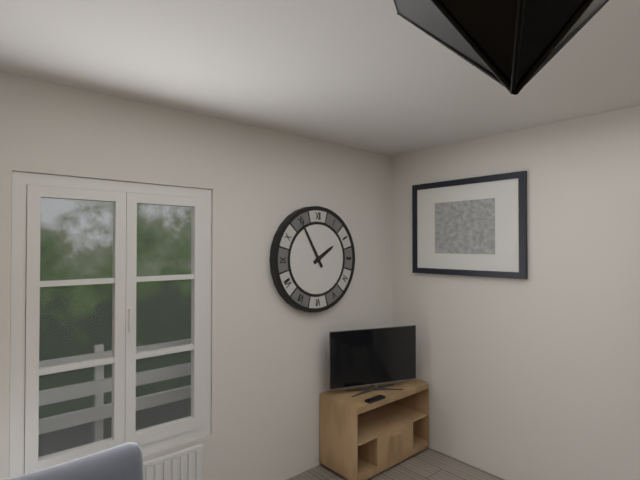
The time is {"hour": 1, "minute": 55}
